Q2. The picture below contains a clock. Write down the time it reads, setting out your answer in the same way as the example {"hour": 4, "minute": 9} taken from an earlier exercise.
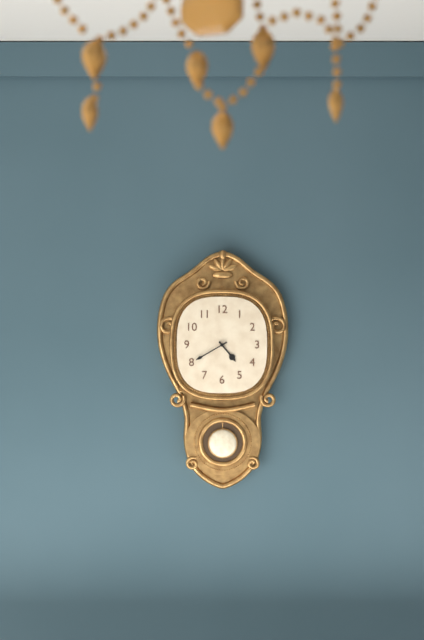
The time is {"hour": 4, "minute": 40}
